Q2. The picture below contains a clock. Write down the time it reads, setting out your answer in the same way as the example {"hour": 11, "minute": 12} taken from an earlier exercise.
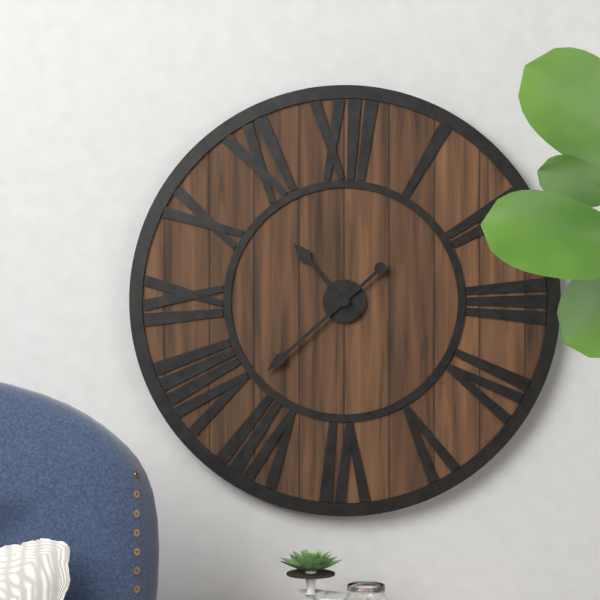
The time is {"hour": 10, "minute": 38}
